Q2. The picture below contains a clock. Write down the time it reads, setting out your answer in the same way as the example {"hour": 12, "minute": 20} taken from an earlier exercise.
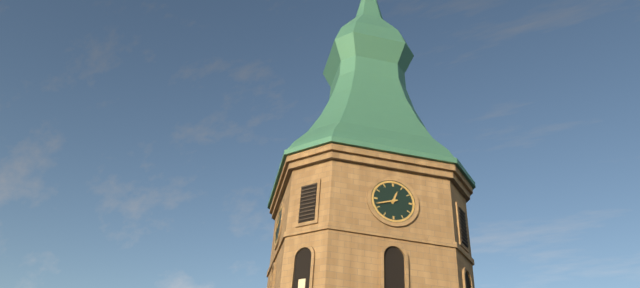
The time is {"hour": 12, "minute": 42}
